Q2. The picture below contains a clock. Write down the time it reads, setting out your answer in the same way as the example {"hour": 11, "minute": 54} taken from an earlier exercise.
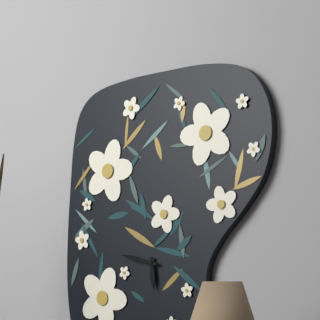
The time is {"hour": 5, "minute": 47}
